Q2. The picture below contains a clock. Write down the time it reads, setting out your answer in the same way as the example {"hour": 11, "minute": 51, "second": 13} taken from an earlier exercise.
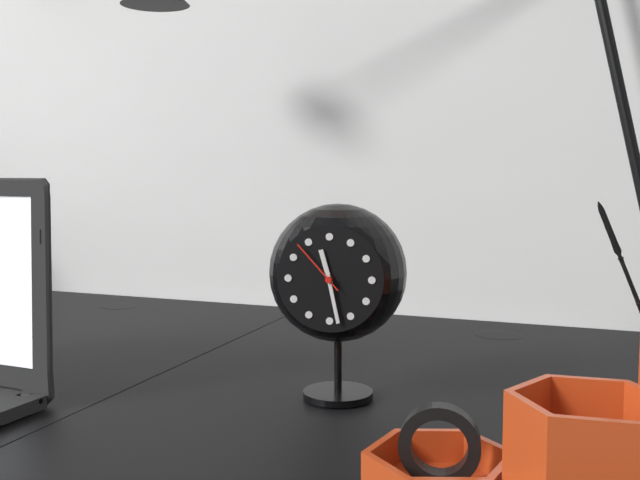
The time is {"hour": 11, "minute": 28, "second": 53}
